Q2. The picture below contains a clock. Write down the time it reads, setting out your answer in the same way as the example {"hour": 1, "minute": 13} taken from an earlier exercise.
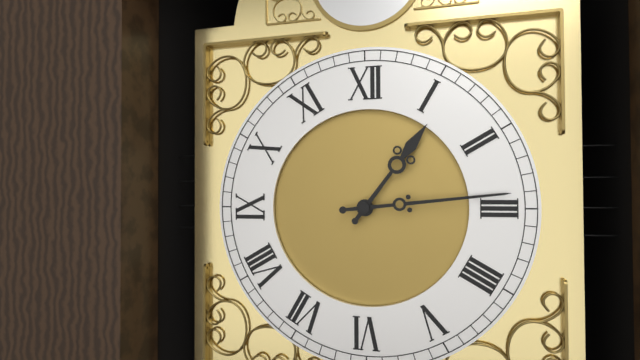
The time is {"hour": 1, "minute": 14}
